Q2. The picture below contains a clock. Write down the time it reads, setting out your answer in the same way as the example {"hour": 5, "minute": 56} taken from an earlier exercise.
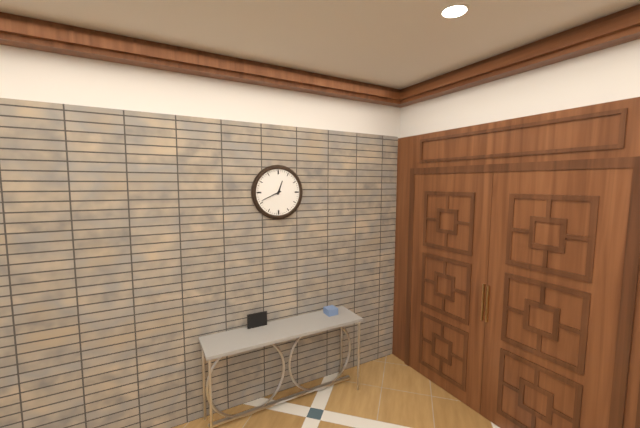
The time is {"hour": 12, "minute": 41}
